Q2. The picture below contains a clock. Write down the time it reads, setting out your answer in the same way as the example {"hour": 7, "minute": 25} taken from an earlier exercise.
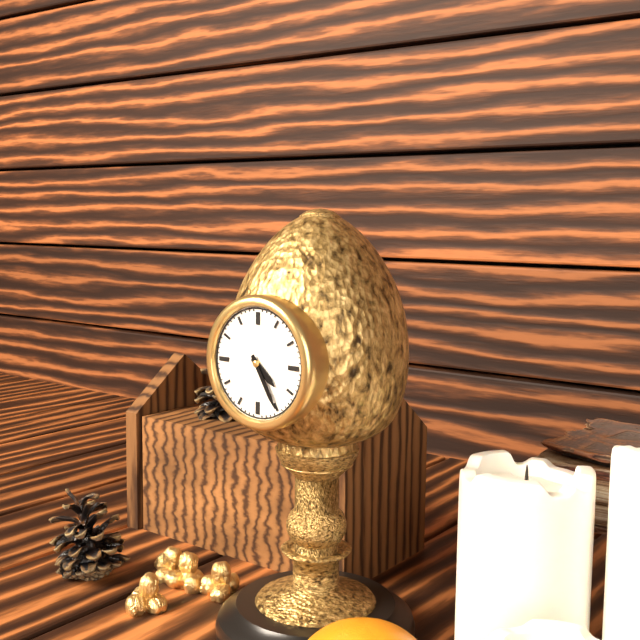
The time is {"hour": 4, "minute": 25}
